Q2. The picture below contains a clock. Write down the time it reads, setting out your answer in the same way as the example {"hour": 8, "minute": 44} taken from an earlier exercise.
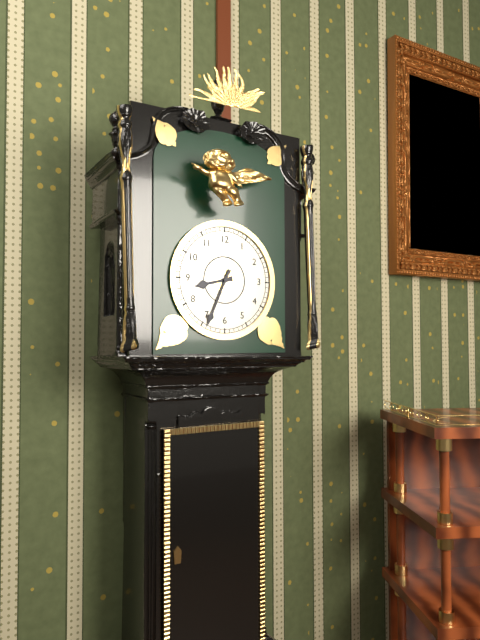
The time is {"hour": 8, "minute": 34}
